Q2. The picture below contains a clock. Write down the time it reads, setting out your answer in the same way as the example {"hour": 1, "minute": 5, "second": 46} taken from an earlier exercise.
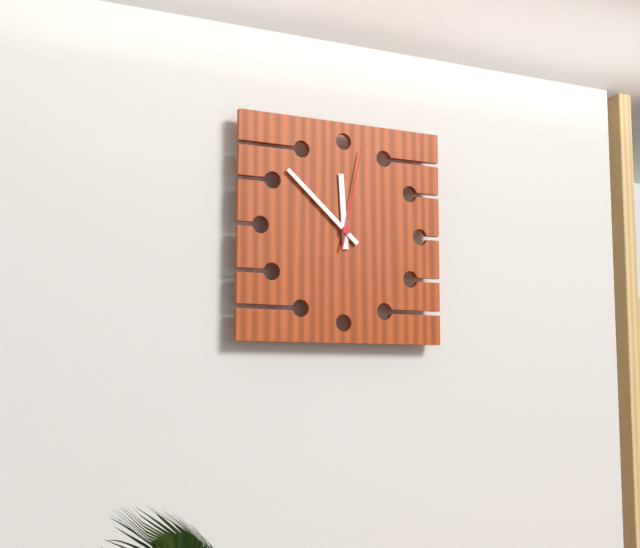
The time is {"hour": 11, "minute": 52, "second": 2}
